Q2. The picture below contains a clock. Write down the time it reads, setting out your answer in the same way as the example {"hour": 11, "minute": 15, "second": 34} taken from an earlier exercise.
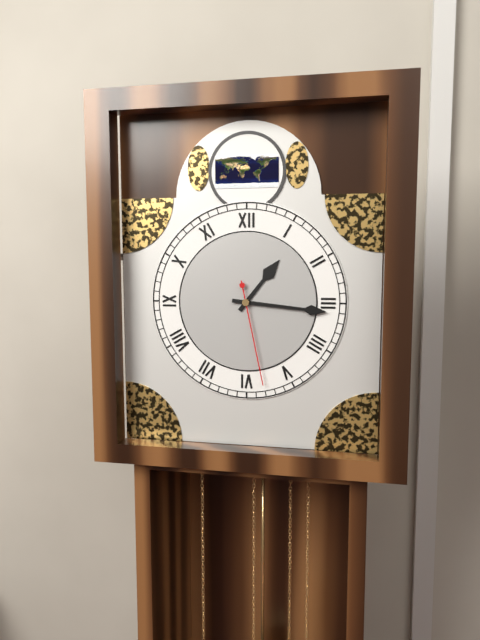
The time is {"hour": 1, "minute": 16, "second": 28}
